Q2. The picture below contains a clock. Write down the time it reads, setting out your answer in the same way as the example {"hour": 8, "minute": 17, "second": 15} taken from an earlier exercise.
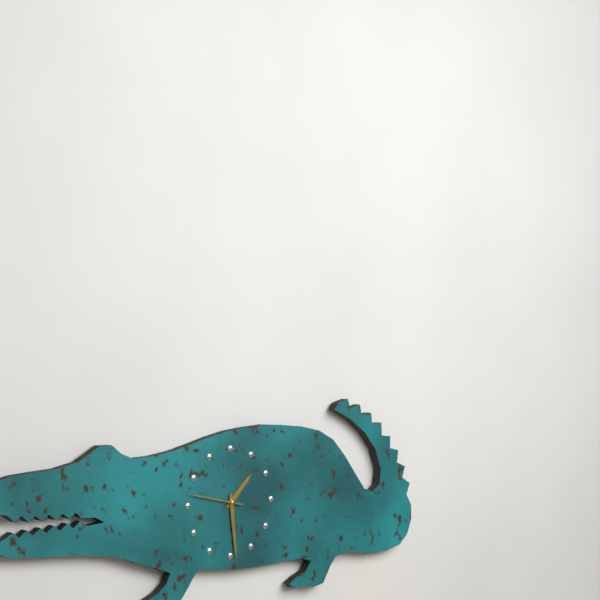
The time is {"hour": 1, "minute": 29, "second": 47}
